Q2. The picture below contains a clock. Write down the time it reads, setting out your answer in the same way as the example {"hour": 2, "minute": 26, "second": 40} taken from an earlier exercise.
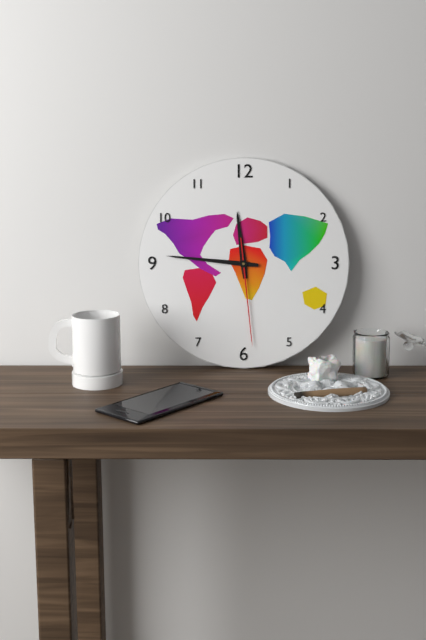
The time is {"hour": 11, "minute": 46, "second": 29}
